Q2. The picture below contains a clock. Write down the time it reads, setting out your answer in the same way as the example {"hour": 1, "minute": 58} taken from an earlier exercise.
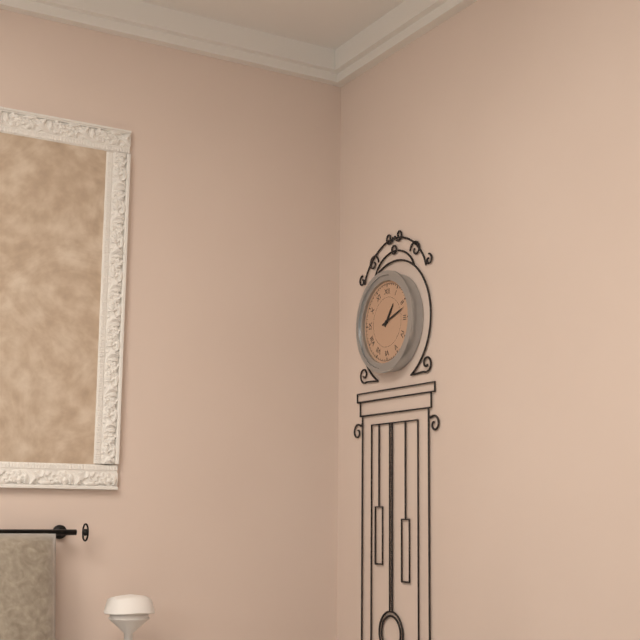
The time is {"hour": 1, "minute": 12}
